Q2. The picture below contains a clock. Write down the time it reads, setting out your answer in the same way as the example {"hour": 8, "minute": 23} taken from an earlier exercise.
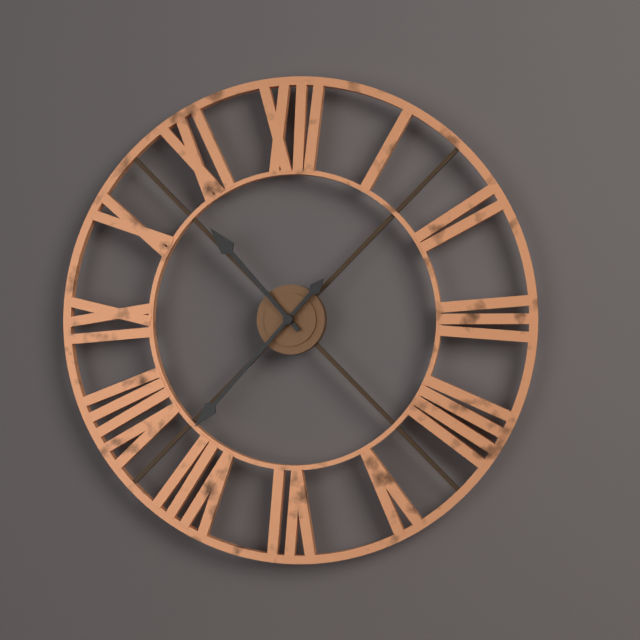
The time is {"hour": 10, "minute": 37}
